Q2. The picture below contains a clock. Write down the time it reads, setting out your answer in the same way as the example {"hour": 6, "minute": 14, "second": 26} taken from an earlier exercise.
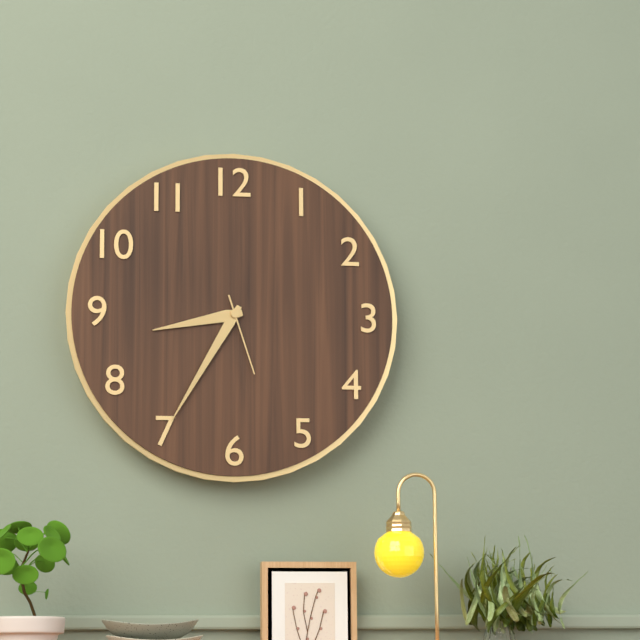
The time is {"hour": 8, "minute": 35, "second": 27}
